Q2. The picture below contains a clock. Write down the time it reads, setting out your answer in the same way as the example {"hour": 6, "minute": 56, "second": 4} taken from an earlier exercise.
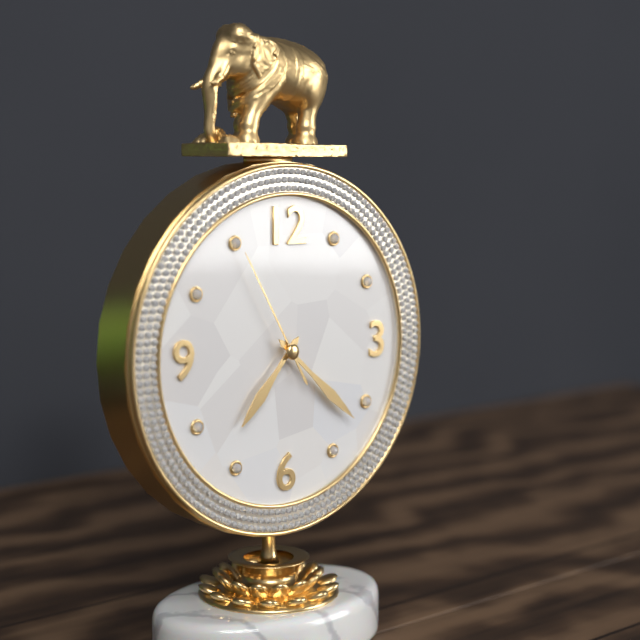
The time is {"hour": 7, "minute": 22, "second": 55}
